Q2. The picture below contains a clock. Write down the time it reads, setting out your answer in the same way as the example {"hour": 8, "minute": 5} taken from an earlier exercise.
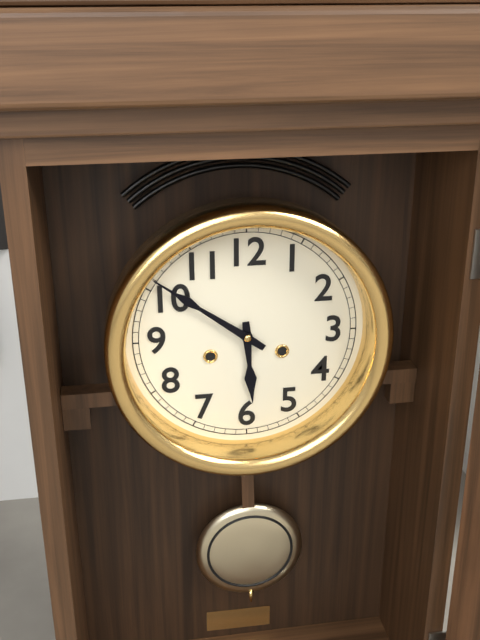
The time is {"hour": 5, "minute": 51}
